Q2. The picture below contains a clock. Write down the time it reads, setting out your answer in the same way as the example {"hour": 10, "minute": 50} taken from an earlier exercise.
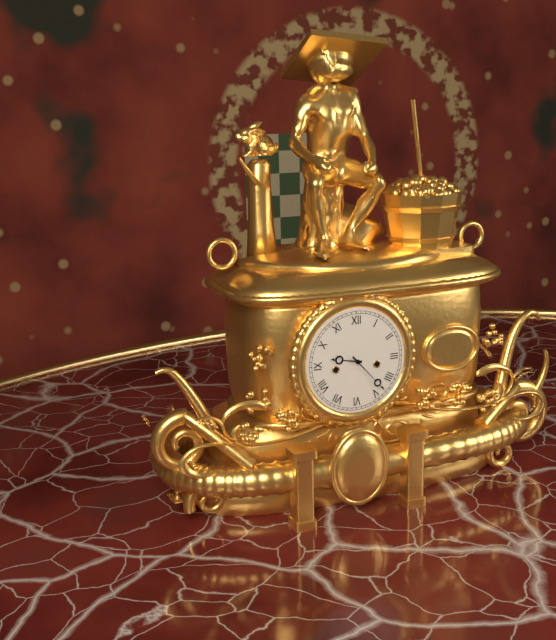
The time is {"hour": 9, "minute": 23}
